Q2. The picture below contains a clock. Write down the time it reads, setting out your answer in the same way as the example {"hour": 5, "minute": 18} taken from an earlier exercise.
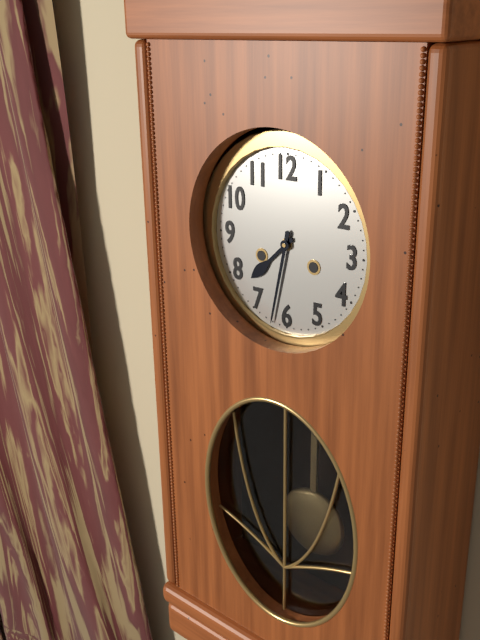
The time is {"hour": 7, "minute": 32}
